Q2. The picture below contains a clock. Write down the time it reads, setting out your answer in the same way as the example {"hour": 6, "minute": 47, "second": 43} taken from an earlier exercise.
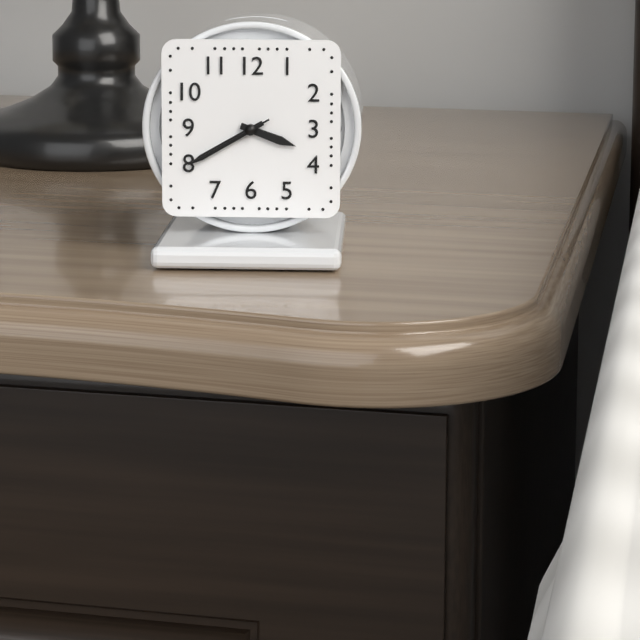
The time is {"hour": 3, "minute": 40, "second": 40}
